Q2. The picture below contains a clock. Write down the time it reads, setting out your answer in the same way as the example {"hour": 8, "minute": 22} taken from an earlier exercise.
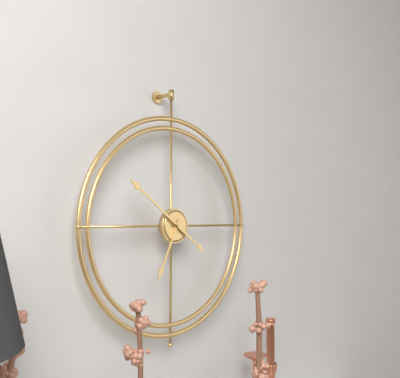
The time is {"hour": 6, "minute": 51}
